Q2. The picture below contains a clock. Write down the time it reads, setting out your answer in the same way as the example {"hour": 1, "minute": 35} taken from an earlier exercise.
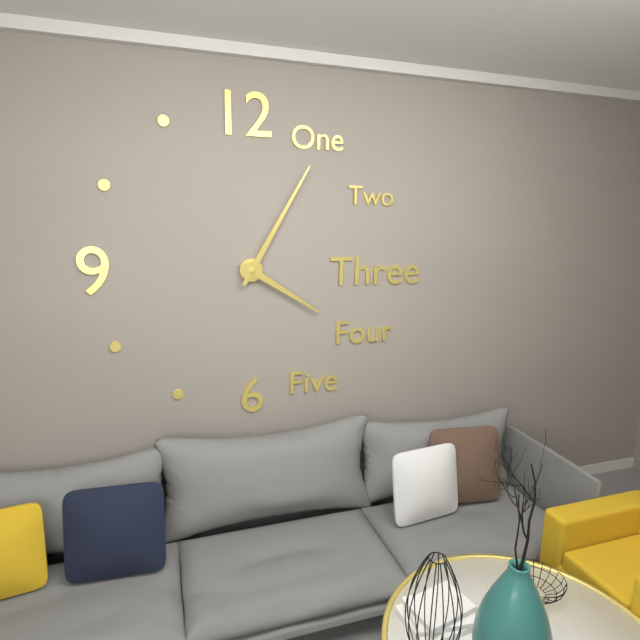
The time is {"hour": 4, "minute": 5}
